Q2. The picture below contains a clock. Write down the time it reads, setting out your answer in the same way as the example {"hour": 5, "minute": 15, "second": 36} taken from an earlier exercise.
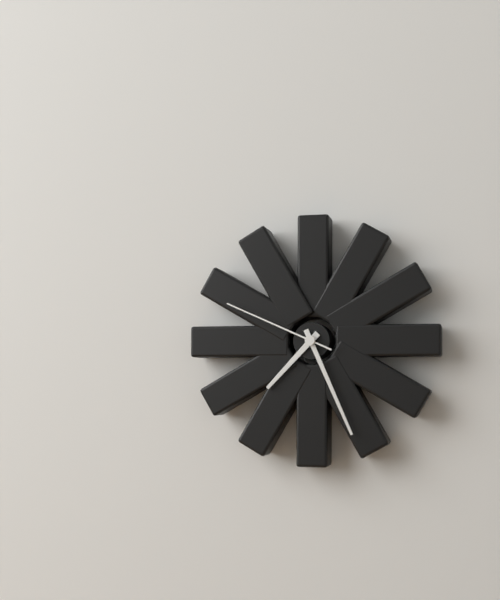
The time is {"hour": 7, "minute": 26, "second": 49}
